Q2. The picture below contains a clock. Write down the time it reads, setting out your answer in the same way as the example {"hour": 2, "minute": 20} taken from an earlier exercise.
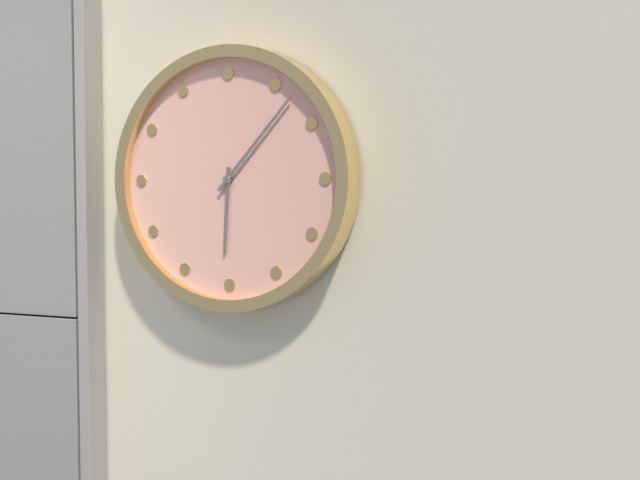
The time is {"hour": 6, "minute": 7}
